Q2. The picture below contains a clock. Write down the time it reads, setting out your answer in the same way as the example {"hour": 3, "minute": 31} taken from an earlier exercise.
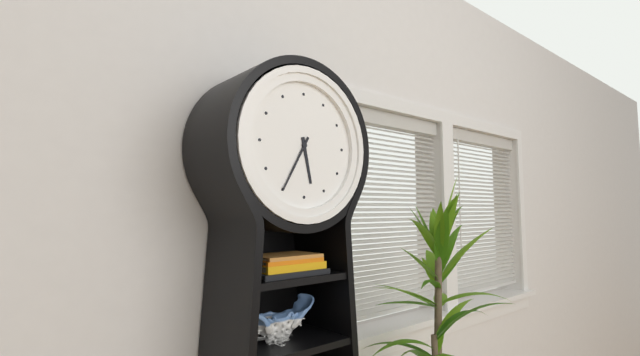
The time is {"hour": 5, "minute": 35}
